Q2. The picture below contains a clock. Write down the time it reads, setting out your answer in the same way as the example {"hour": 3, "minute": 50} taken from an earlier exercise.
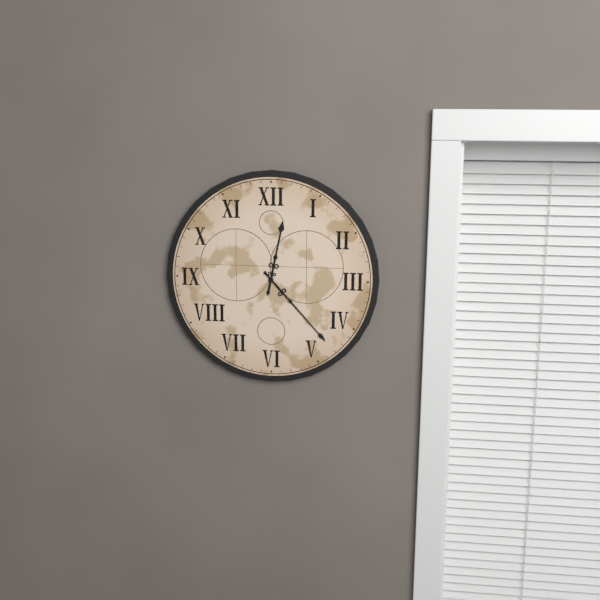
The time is {"hour": 12, "minute": 23}
